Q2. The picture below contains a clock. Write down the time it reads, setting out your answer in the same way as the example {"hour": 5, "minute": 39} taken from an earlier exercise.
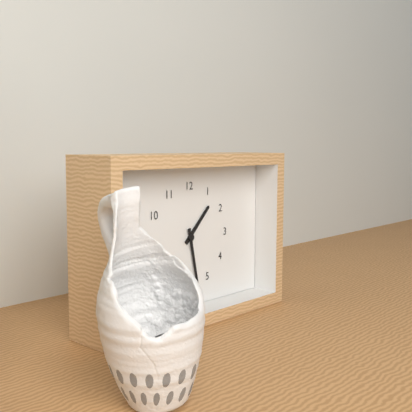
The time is {"hour": 1, "minute": 28}
